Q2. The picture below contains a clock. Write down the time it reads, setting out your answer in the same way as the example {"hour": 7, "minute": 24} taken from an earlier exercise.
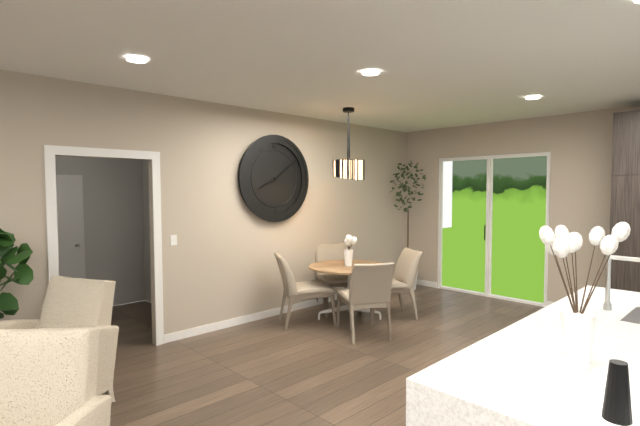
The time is {"hour": 8, "minute": 9}
